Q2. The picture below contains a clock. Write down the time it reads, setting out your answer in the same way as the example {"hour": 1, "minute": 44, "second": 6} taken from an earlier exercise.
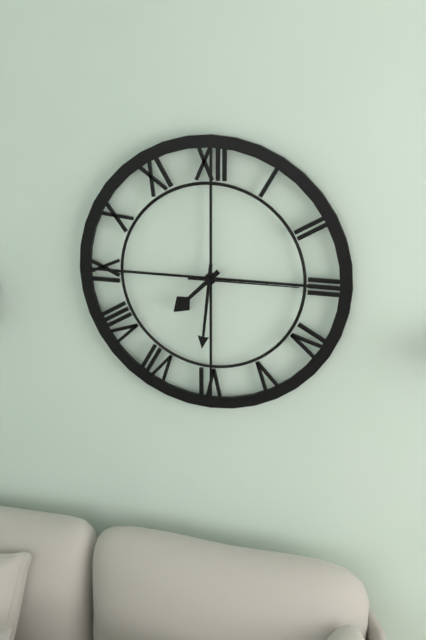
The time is {"hour": 7, "minute": 31, "second": 15}
